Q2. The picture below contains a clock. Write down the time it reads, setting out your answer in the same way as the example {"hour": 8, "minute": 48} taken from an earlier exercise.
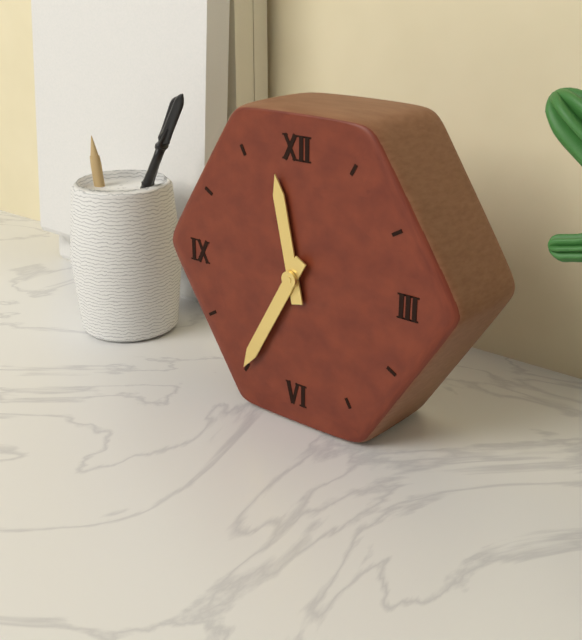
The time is {"hour": 11, "minute": 35}
